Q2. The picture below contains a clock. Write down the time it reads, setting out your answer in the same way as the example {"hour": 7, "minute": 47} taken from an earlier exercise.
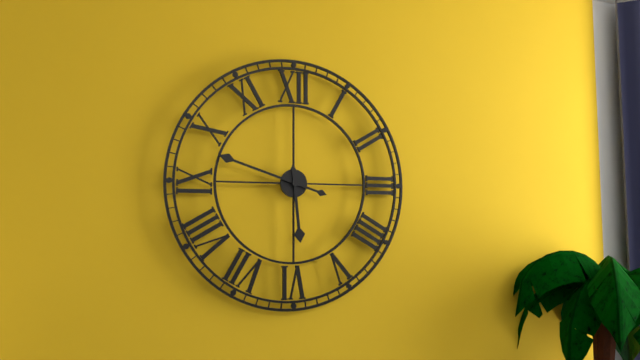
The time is {"hour": 5, "minute": 48}
